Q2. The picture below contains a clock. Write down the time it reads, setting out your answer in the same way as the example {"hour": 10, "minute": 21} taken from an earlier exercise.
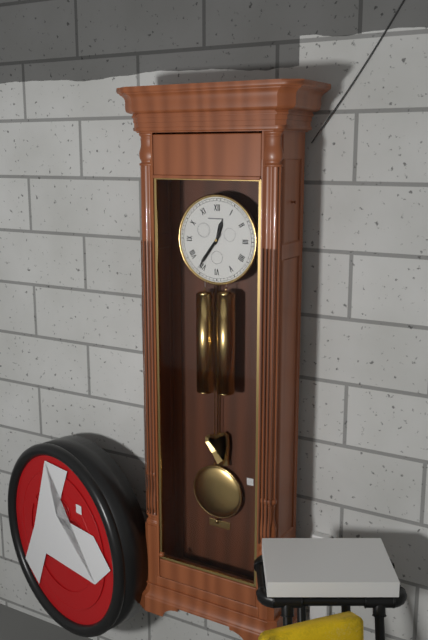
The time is {"hour": 12, "minute": 36}
